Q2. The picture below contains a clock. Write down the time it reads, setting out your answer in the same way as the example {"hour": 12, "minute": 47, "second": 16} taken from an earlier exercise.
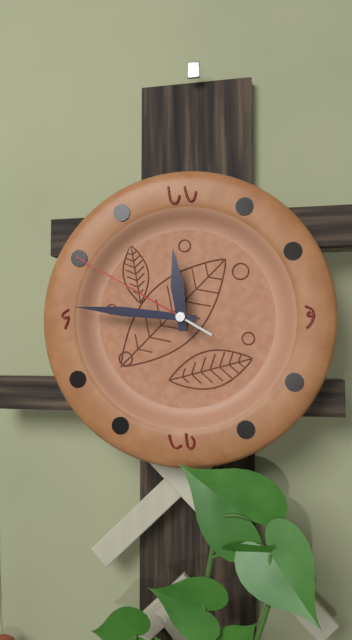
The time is {"hour": 11, "minute": 46, "second": 50}
